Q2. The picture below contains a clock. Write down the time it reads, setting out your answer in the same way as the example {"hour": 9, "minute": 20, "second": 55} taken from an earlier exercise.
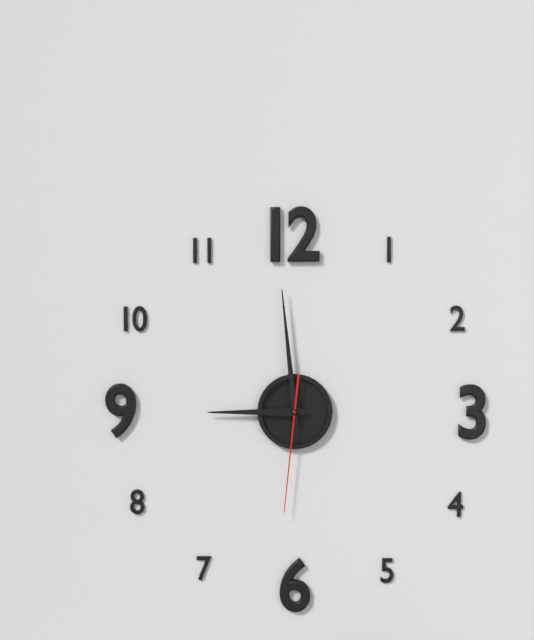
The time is {"hour": 8, "minute": 59, "second": 31}
